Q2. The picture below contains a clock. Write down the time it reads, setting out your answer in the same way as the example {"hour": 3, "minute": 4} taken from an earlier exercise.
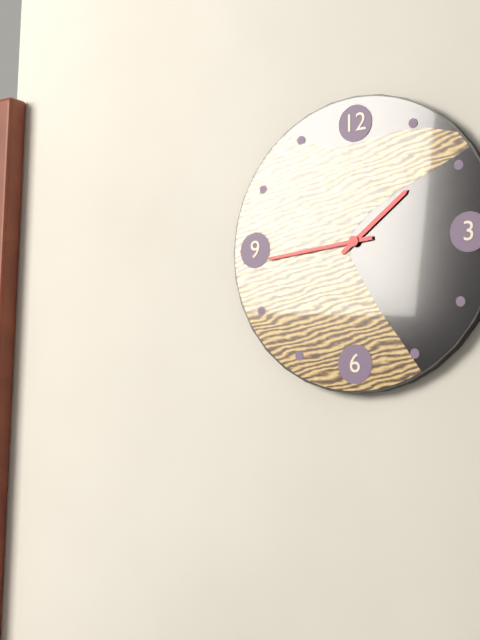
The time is {"hour": 1, "minute": 44}
